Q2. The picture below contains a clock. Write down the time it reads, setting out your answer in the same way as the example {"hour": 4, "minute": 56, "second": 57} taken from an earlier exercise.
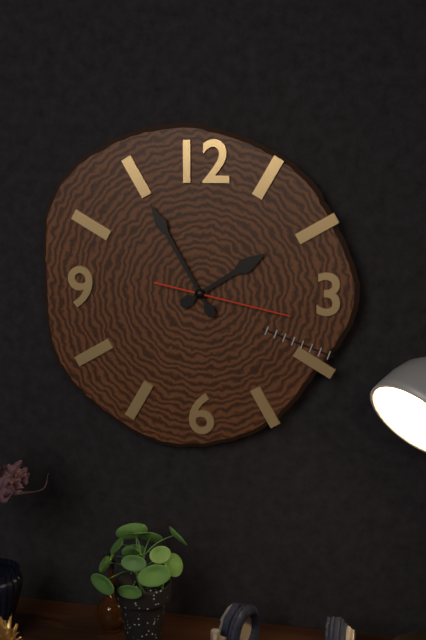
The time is {"hour": 1, "minute": 55, "second": 17}
